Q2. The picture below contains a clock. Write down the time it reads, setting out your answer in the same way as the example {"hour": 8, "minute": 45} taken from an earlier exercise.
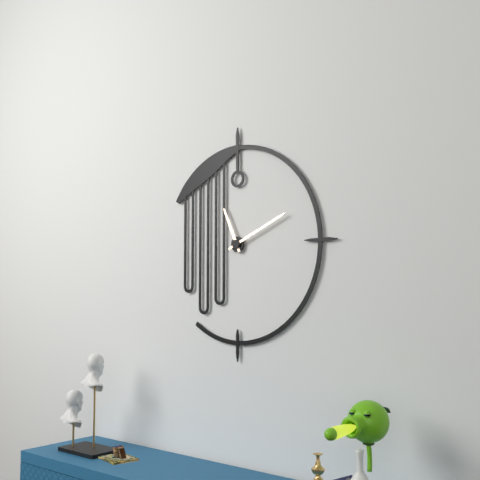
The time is {"hour": 11, "minute": 11}
